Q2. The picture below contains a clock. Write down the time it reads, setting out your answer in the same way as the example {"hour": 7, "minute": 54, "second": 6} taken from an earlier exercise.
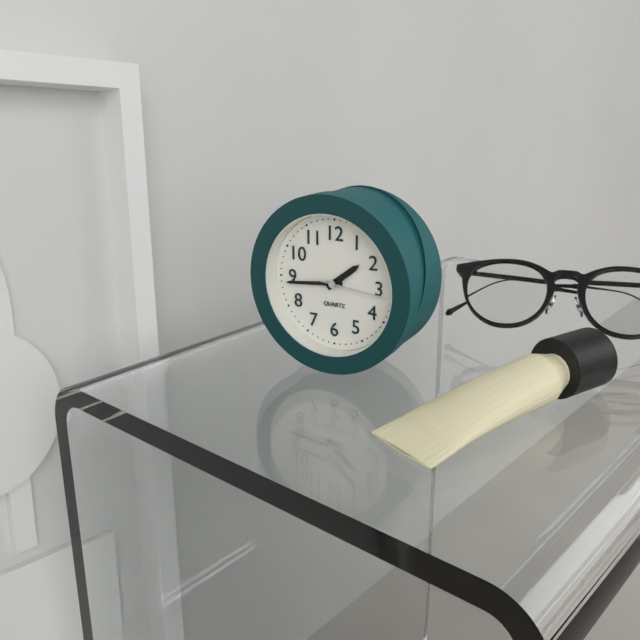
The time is {"hour": 1, "minute": 44, "second": 16}
